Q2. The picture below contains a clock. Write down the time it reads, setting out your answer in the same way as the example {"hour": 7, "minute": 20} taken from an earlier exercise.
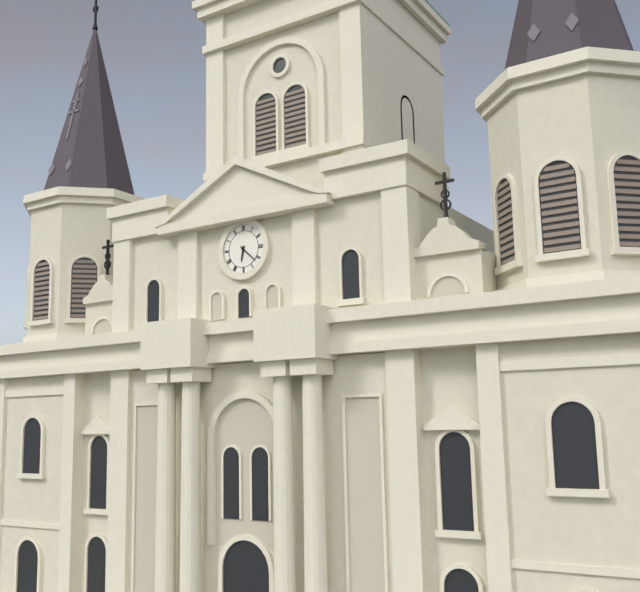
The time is {"hour": 6, "minute": 22}
